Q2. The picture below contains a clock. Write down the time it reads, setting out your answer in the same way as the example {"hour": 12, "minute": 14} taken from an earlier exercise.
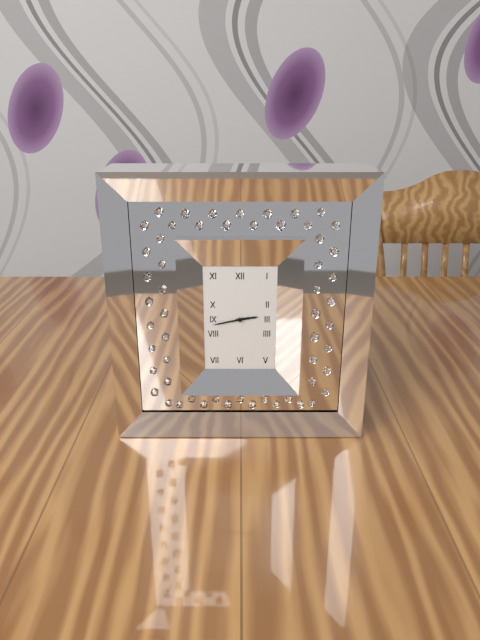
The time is {"hour": 2, "minute": 43}
